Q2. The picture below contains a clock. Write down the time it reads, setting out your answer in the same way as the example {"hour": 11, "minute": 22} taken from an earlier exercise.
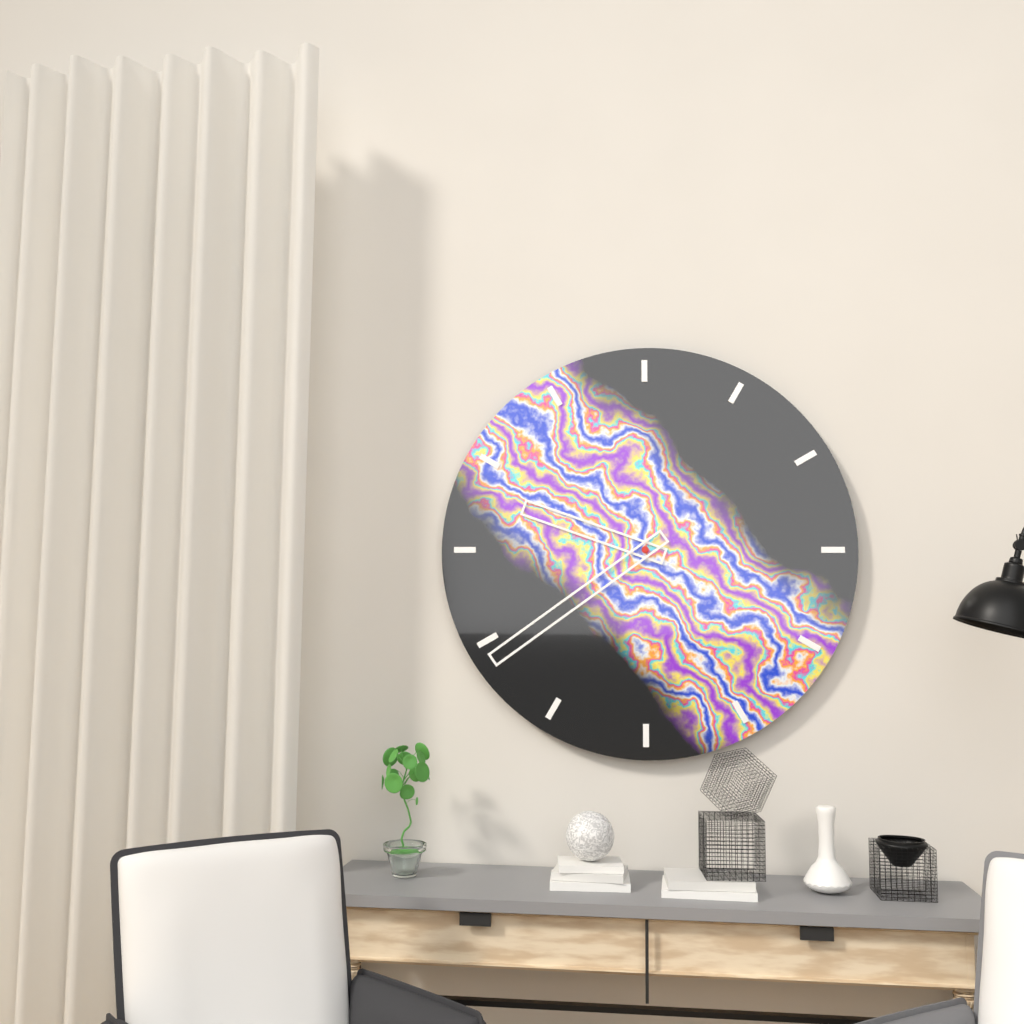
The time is {"hour": 9, "minute": 39}
